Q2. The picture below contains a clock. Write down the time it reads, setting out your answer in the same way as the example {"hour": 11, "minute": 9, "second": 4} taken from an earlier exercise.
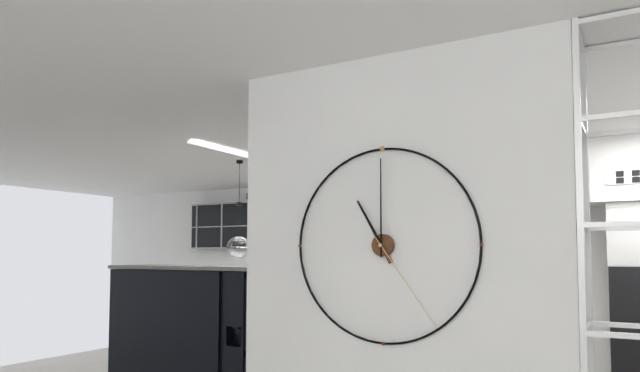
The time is {"hour": 11, "minute": 0, "second": 24}
